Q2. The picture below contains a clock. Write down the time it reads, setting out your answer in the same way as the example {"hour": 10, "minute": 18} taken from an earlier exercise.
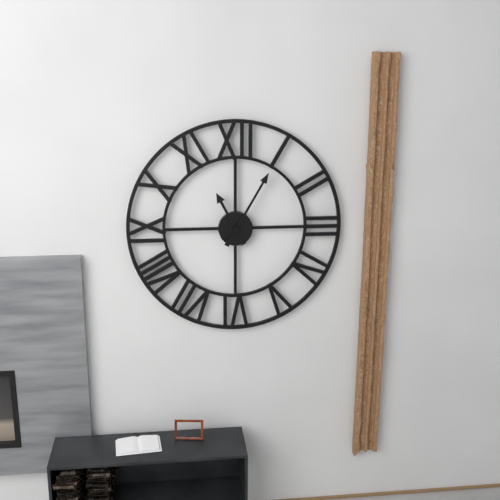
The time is {"hour": 11, "minute": 5}
